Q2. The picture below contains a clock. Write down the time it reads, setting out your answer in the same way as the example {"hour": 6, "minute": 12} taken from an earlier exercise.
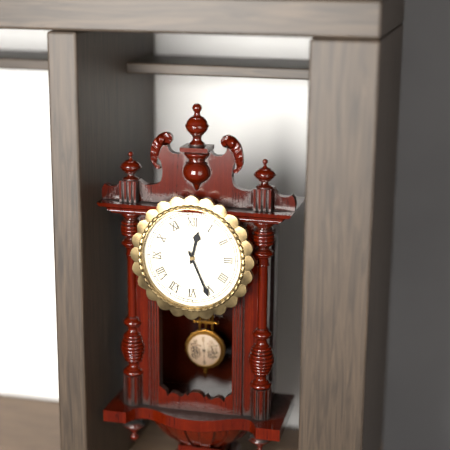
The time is {"hour": 12, "minute": 26}
